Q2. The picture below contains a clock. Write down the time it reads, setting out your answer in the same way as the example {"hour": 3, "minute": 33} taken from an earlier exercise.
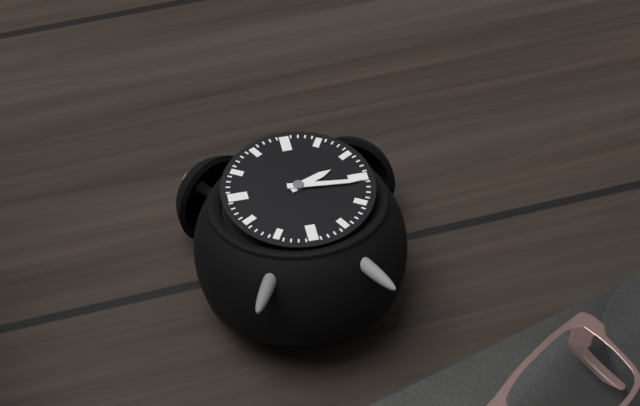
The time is {"hour": 2, "minute": 16}
